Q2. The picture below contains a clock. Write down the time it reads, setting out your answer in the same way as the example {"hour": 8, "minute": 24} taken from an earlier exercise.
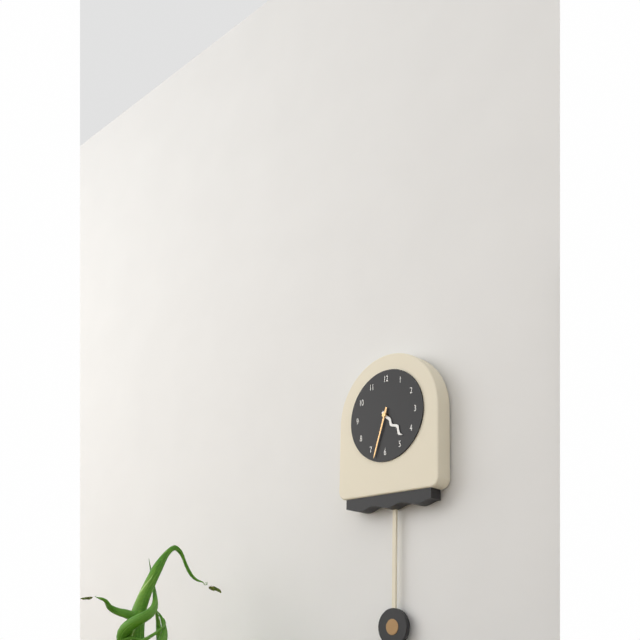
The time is {"hour": 4, "minute": 33}
